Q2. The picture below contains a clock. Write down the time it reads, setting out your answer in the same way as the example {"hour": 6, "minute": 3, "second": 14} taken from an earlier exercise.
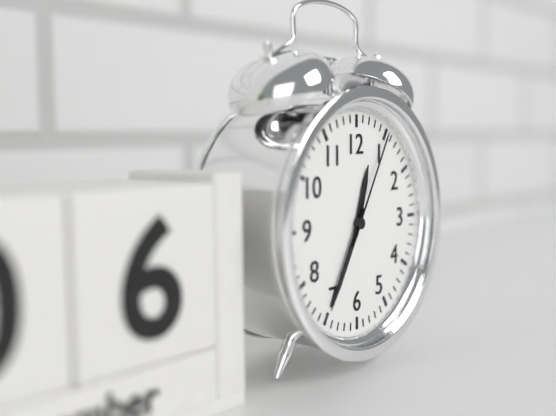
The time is {"hour": 12, "minute": 35, "second": 5}
